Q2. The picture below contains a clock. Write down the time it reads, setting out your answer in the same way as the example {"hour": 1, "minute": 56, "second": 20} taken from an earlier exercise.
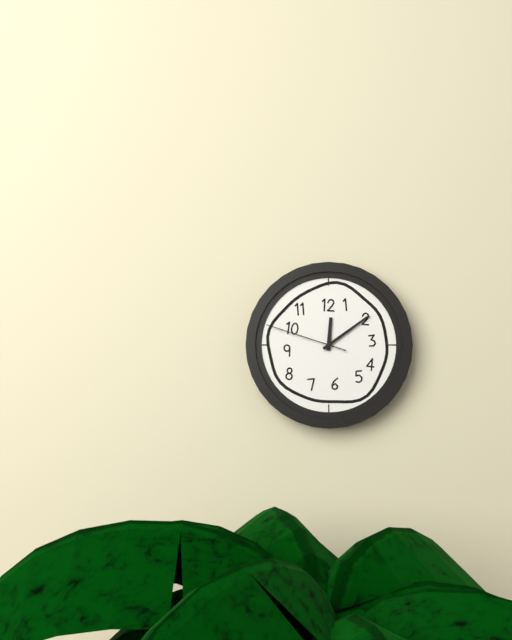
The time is {"hour": 12, "minute": 9, "second": 48}
